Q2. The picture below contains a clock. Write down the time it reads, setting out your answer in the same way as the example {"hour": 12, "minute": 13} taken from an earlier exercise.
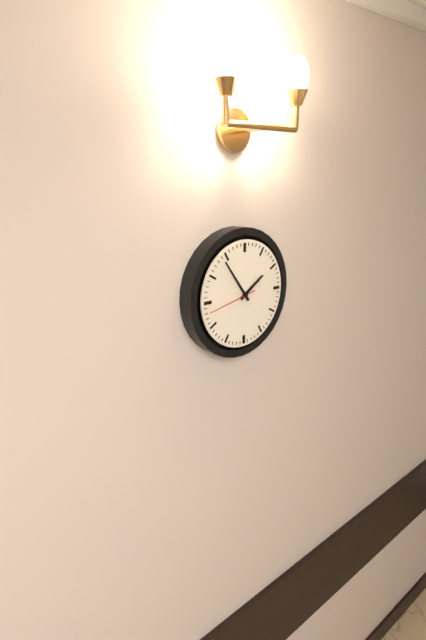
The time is {"hour": 1, "minute": 54}
